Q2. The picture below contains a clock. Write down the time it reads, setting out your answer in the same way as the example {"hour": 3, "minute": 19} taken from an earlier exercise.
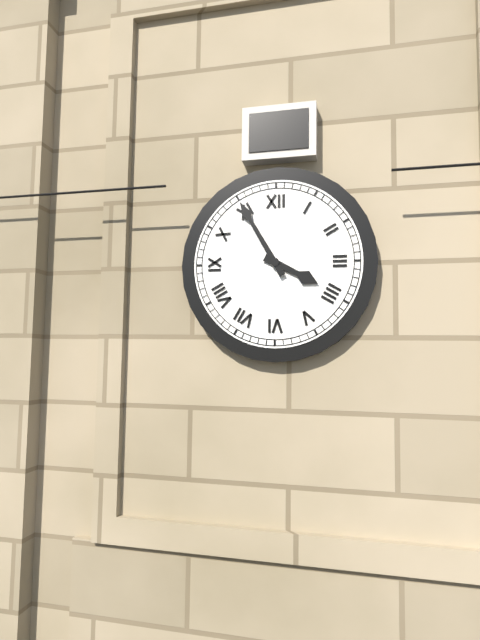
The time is {"hour": 3, "minute": 55}
